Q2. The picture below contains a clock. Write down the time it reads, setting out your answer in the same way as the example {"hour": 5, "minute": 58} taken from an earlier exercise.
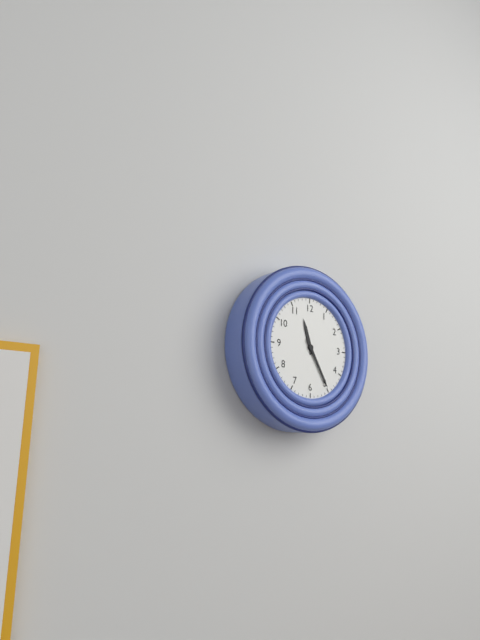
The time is {"hour": 11, "minute": 25}
